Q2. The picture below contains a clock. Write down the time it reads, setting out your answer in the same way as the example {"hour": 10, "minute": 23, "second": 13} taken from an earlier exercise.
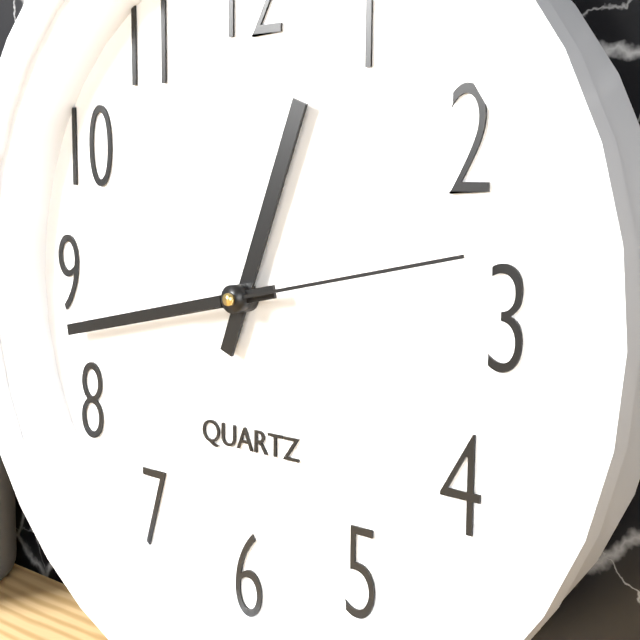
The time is {"hour": 12, "minute": 43, "second": 13}
